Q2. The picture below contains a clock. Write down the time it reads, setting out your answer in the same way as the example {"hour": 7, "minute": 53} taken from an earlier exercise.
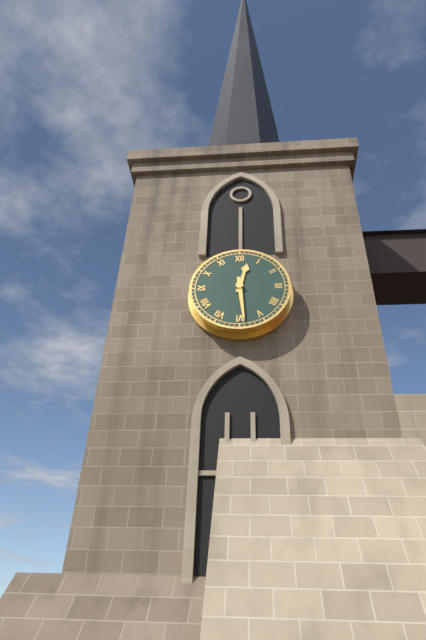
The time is {"hour": 12, "minute": 29}
